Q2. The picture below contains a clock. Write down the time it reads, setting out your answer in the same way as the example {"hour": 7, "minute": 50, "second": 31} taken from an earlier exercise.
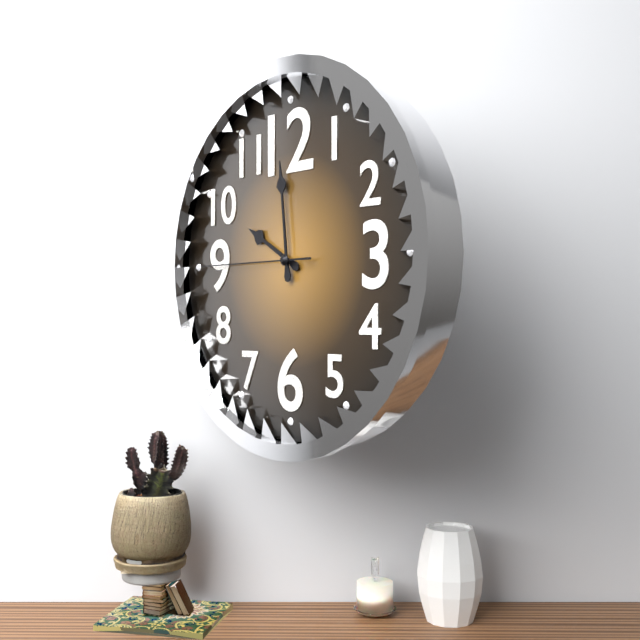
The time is {"hour": 9, "minute": 59, "second": 45}
